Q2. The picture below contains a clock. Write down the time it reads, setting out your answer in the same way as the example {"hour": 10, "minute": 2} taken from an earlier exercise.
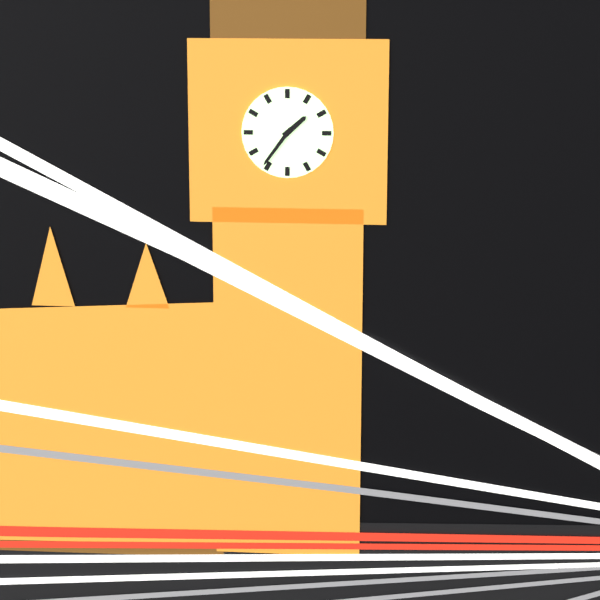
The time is {"hour": 1, "minute": 36}
